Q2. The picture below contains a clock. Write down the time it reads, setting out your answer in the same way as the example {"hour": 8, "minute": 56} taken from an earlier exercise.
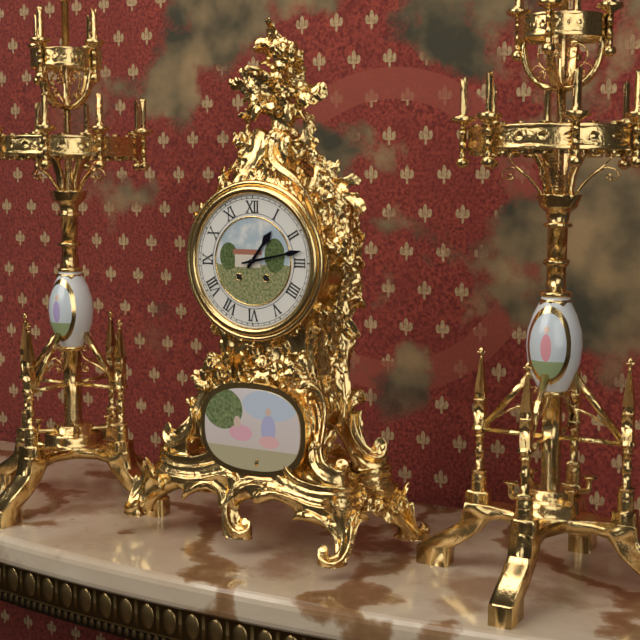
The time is {"hour": 1, "minute": 13}
